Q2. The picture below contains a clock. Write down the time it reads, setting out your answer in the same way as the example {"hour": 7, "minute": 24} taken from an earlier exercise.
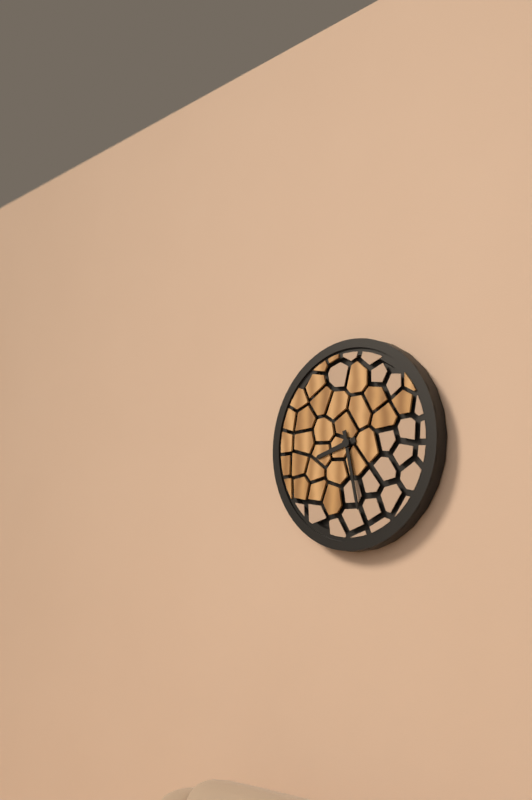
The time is {"hour": 8, "minute": 28}
